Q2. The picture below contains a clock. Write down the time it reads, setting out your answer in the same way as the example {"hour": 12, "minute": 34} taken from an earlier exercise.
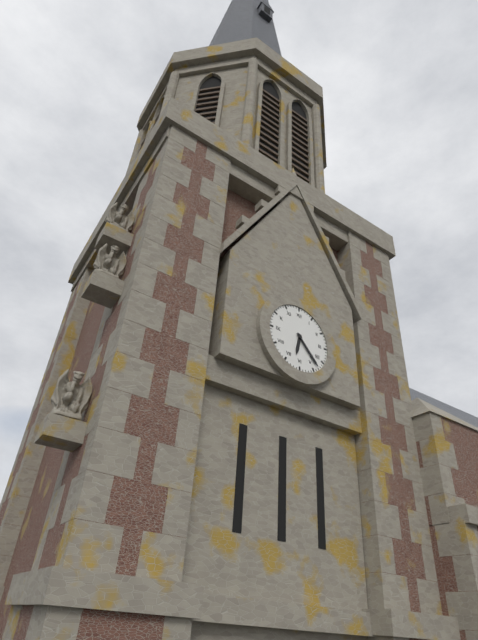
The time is {"hour": 6, "minute": 23}
